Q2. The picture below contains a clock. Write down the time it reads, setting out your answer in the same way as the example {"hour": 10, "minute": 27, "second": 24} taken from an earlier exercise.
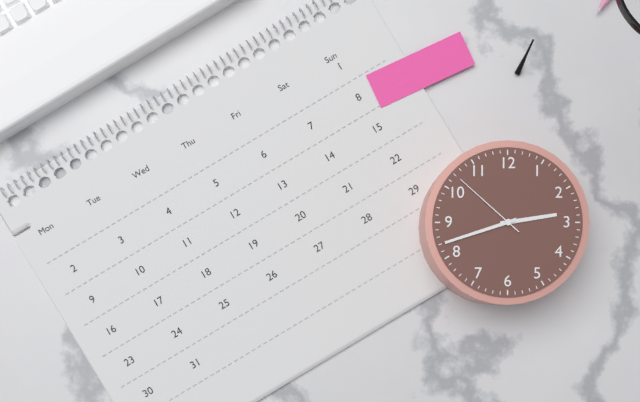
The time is {"hour": 2, "minute": 42, "second": 52}
